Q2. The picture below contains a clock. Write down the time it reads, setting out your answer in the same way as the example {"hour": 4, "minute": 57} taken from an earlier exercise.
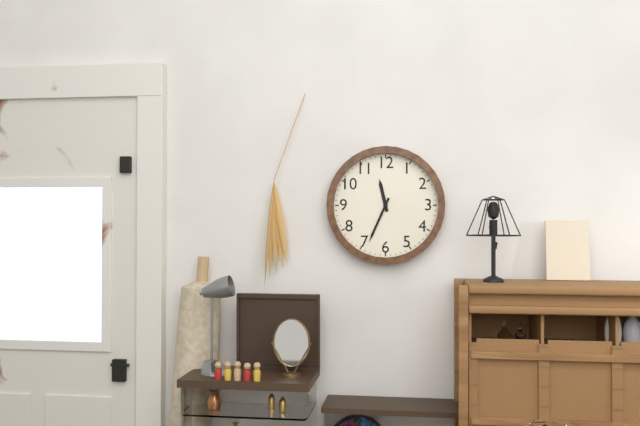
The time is {"hour": 11, "minute": 34}
